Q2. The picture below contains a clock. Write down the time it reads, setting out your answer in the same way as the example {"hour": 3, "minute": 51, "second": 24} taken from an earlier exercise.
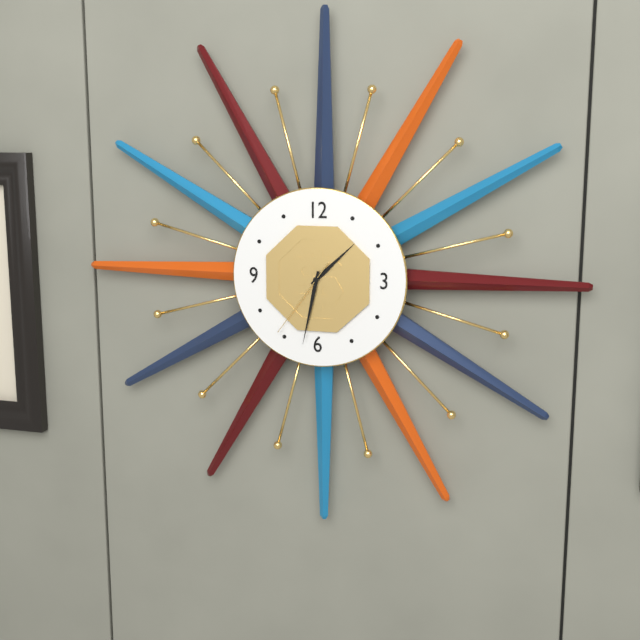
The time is {"hour": 1, "minute": 32, "second": 36}
